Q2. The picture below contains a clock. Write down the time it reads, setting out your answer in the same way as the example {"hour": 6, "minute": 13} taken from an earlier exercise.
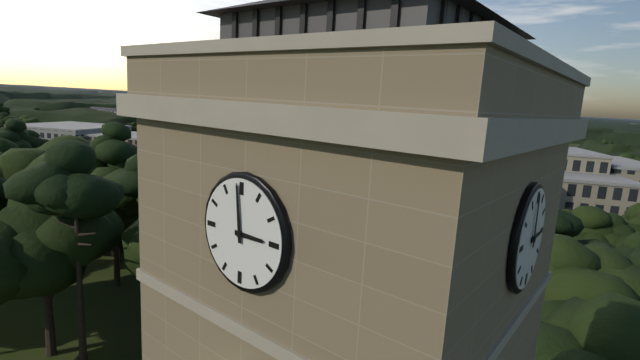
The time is {"hour": 2, "minute": 59}
